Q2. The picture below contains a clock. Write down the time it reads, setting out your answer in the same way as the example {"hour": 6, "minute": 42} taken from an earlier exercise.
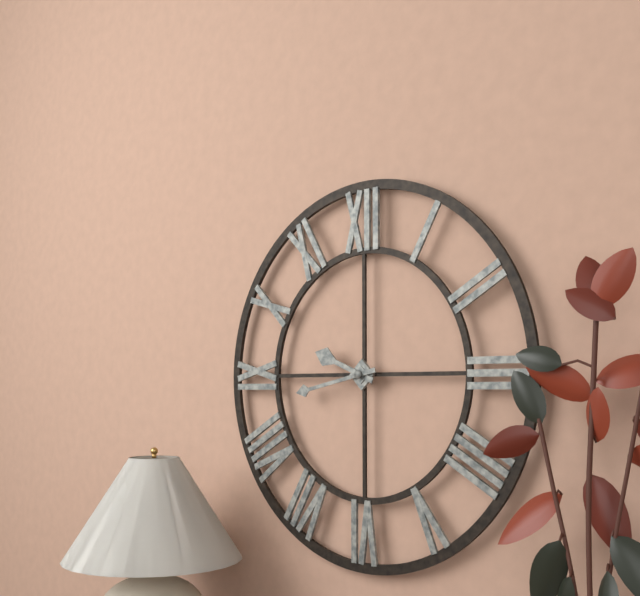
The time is {"hour": 9, "minute": 43}
